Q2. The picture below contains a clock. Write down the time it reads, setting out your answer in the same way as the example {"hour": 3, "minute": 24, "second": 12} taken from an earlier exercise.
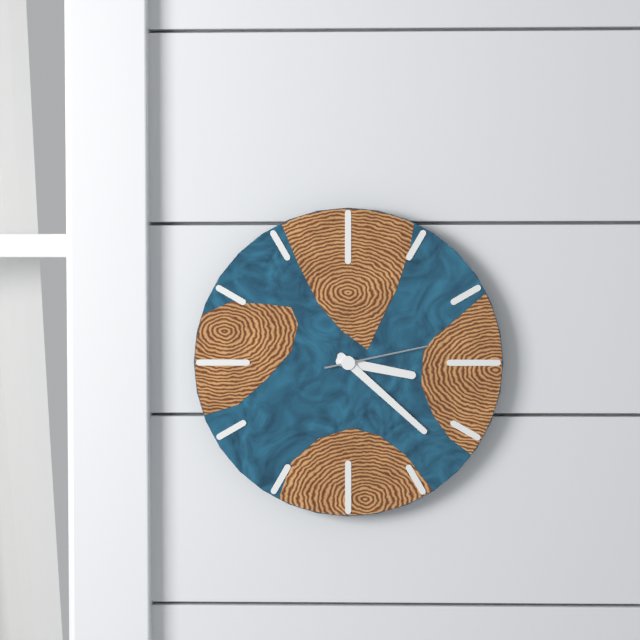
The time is {"hour": 3, "minute": 22, "second": 13}
